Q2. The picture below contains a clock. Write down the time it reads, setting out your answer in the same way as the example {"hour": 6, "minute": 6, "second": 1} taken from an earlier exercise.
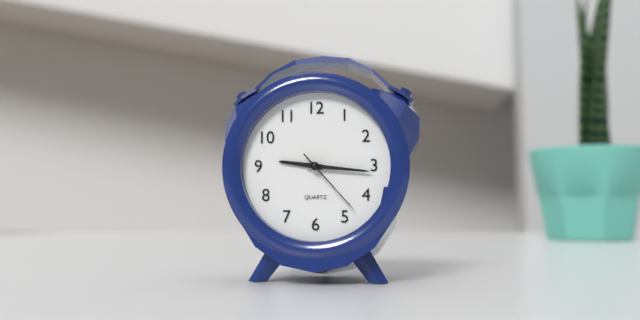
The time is {"hour": 9, "minute": 16, "second": 23}
